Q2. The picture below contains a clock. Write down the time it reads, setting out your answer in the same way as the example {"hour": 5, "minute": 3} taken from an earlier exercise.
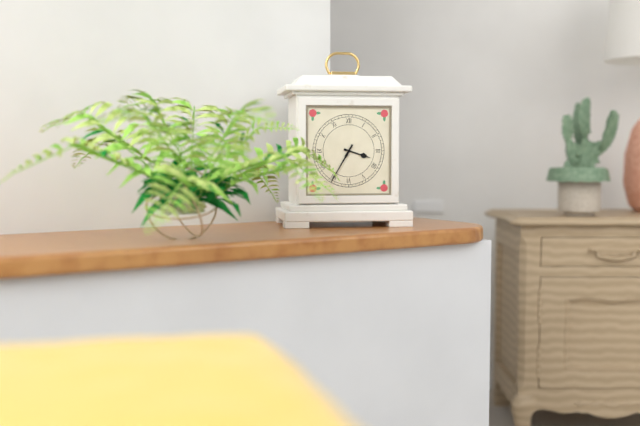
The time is {"hour": 3, "minute": 35}
